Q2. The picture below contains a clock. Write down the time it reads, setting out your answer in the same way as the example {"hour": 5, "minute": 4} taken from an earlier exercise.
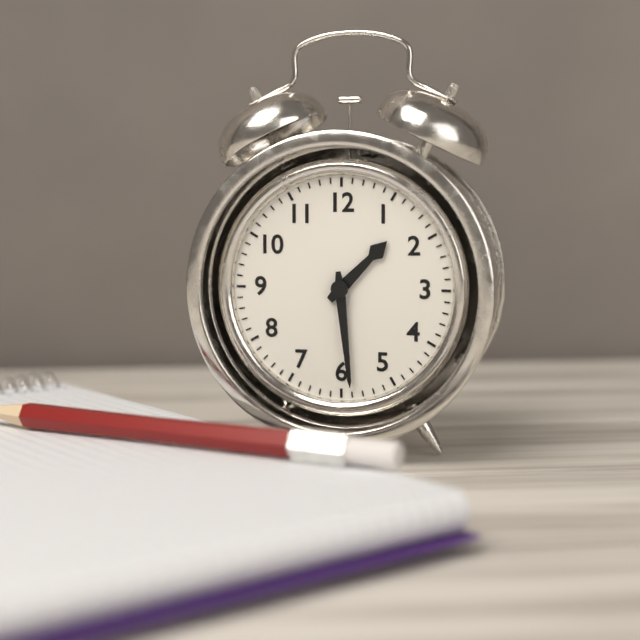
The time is {"hour": 1, "minute": 29}
